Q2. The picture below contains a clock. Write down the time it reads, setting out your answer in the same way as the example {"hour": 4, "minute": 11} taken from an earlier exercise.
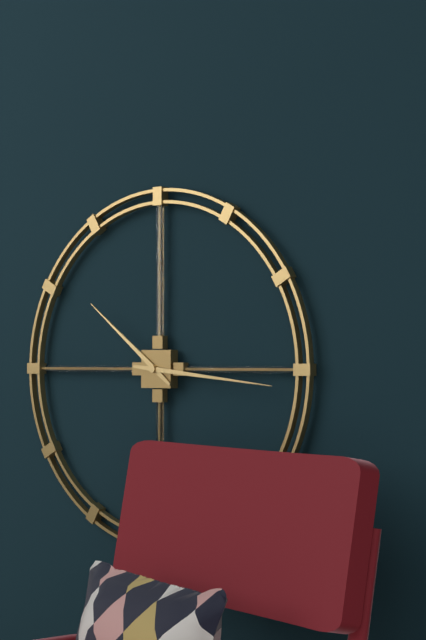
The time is {"hour": 10, "minute": 16}
